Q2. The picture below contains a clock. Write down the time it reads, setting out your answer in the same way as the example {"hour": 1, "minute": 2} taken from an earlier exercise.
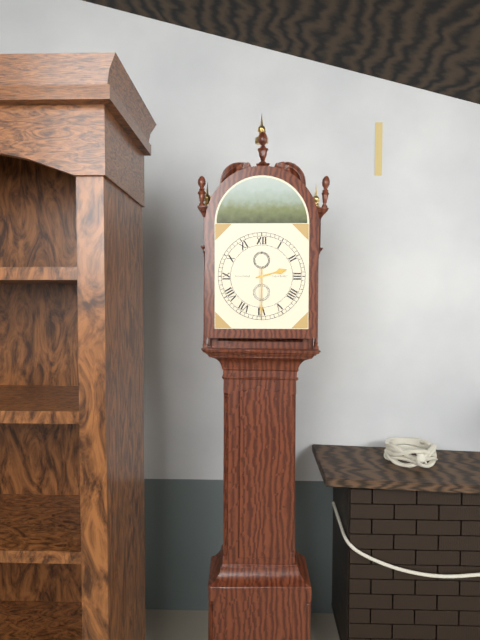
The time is {"hour": 2, "minute": 30}
